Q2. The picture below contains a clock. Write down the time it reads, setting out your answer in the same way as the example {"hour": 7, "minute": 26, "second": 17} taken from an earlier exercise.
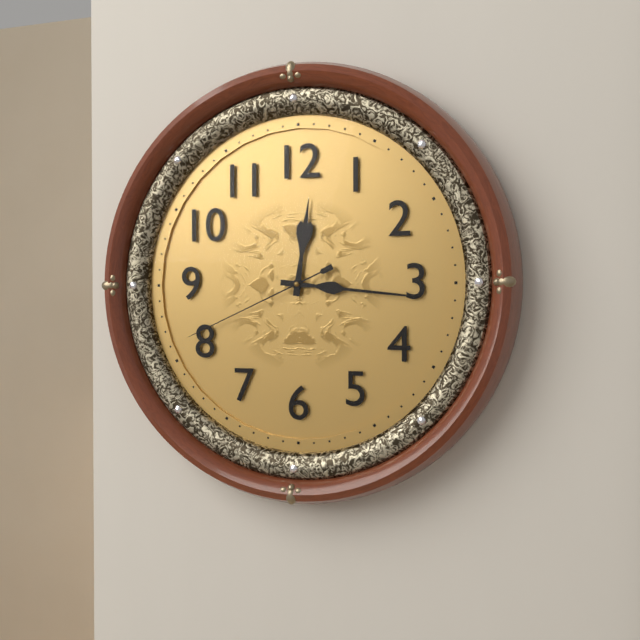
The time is {"hour": 12, "minute": 16, "second": 41}
